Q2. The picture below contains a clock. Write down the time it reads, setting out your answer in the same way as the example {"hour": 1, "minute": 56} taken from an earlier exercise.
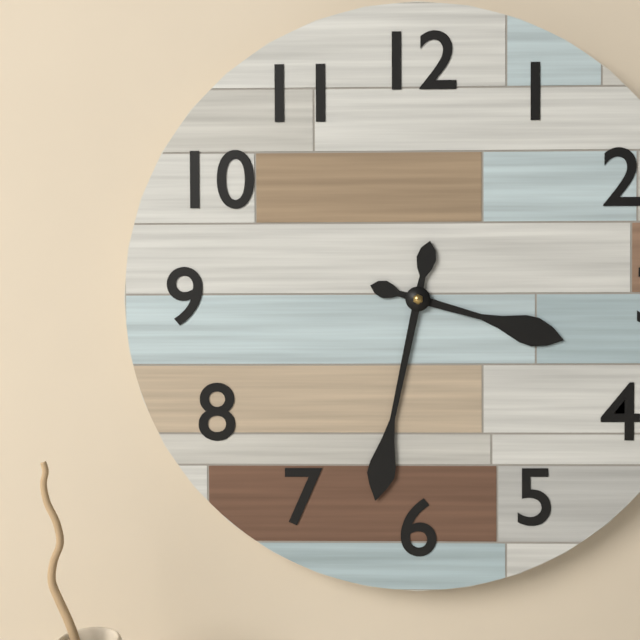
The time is {"hour": 3, "minute": 32}
